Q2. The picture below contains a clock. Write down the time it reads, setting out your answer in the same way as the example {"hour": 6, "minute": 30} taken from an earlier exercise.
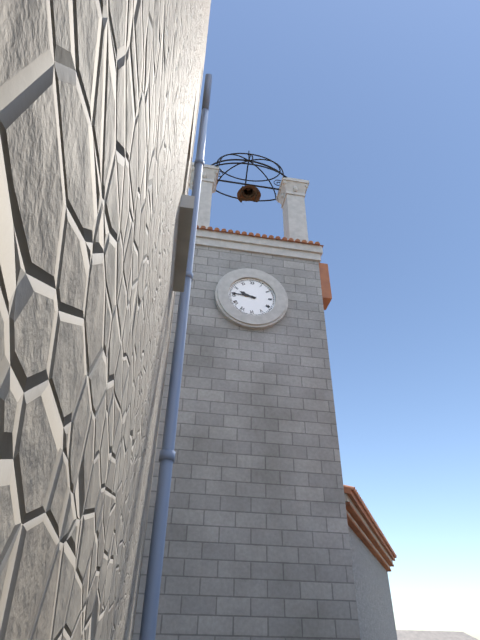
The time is {"hour": 9, "minute": 46}
